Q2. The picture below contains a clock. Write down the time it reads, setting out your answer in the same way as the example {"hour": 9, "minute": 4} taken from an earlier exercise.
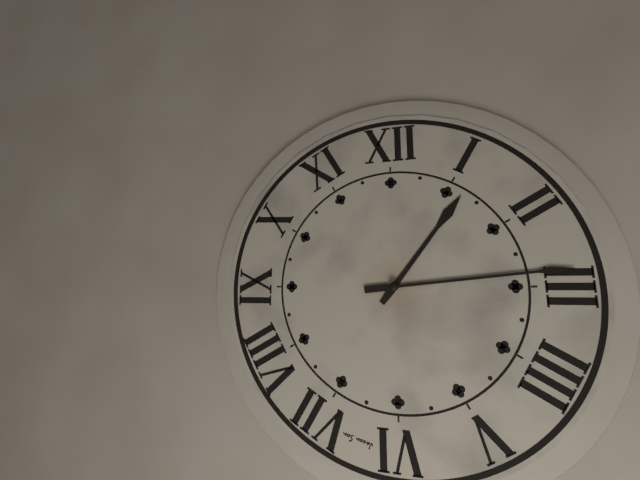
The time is {"hour": 1, "minute": 14}
